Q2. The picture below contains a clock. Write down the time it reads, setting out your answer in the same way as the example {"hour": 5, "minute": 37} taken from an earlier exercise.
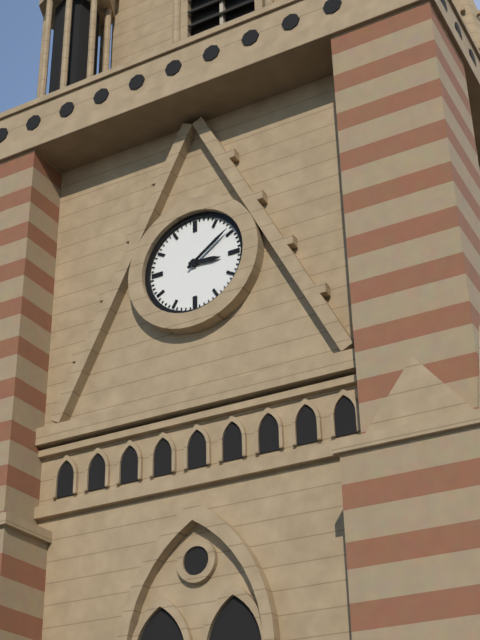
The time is {"hour": 3, "minute": 9}
